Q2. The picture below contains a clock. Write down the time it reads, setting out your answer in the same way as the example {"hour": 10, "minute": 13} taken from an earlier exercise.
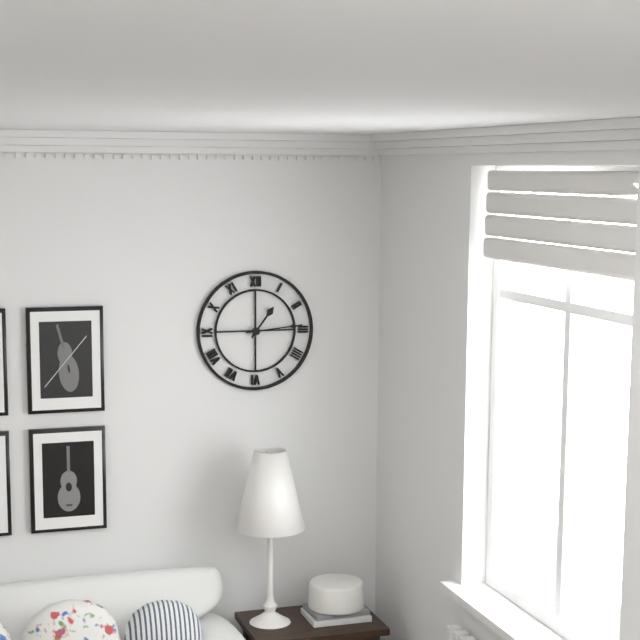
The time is {"hour": 1, "minute": 14}
